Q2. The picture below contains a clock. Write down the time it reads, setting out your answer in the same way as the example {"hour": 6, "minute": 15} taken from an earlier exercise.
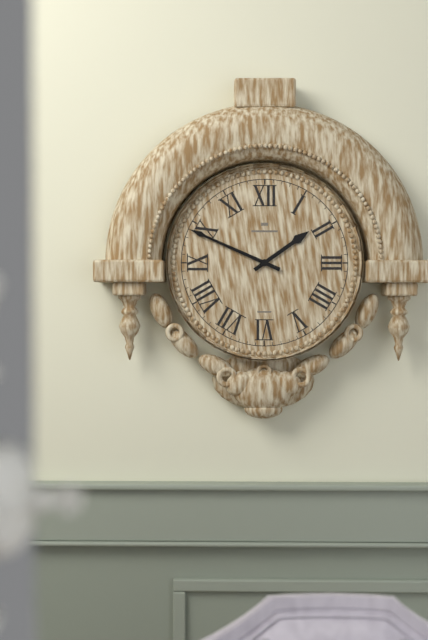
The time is {"hour": 1, "minute": 49}
